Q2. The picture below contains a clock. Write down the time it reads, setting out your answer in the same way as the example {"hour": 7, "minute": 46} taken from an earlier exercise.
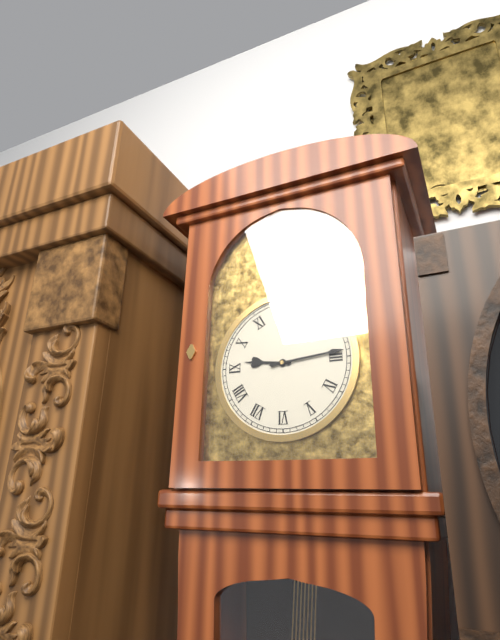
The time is {"hour": 9, "minute": 14}
